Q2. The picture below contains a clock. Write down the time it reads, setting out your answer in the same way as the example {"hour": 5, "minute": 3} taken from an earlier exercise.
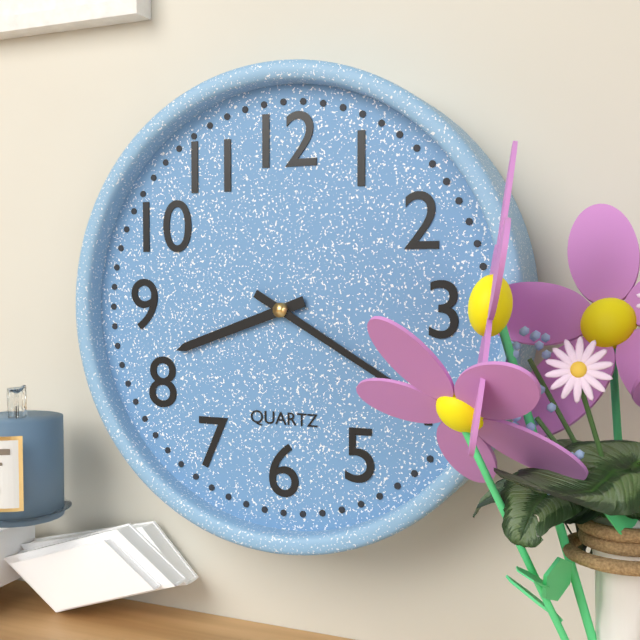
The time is {"hour": 8, "minute": 20}
